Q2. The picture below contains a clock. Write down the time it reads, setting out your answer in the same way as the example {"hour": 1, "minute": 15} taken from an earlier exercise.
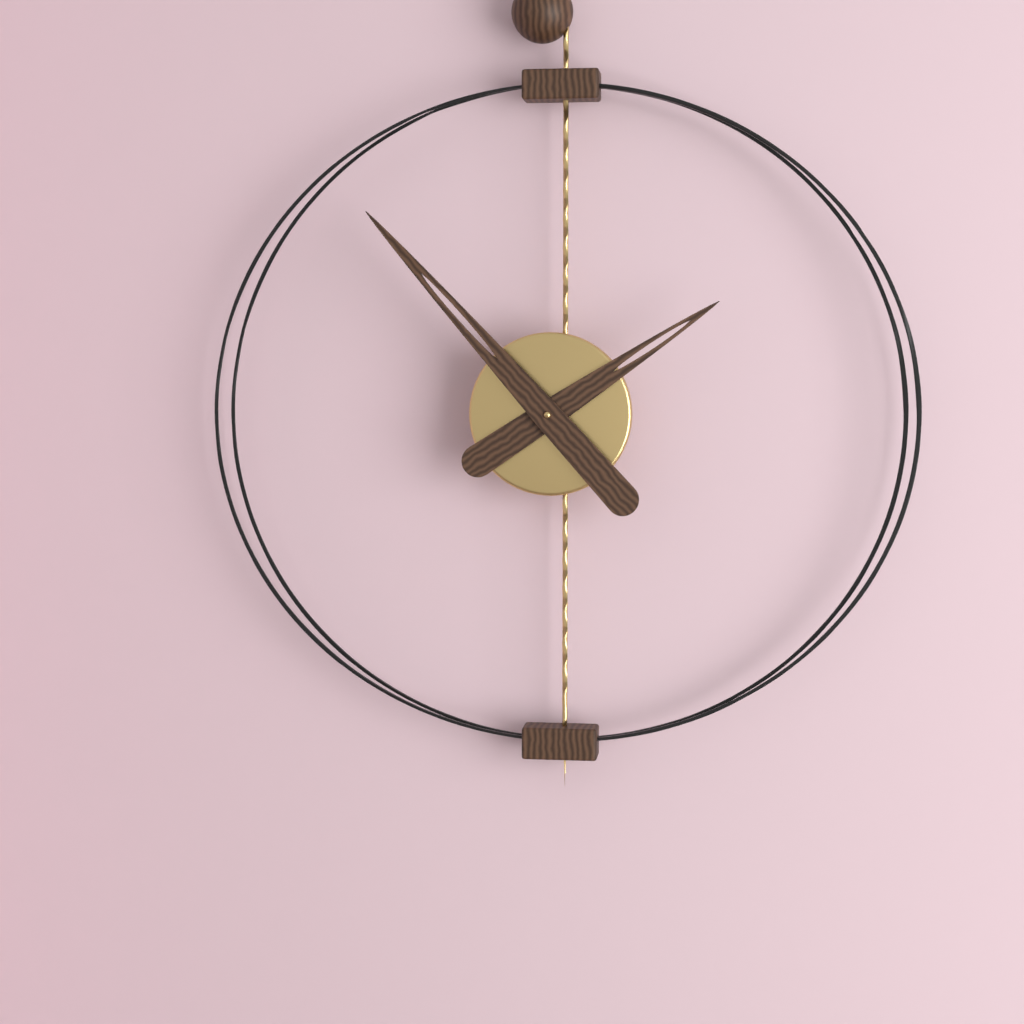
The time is {"hour": 1, "minute": 53}
